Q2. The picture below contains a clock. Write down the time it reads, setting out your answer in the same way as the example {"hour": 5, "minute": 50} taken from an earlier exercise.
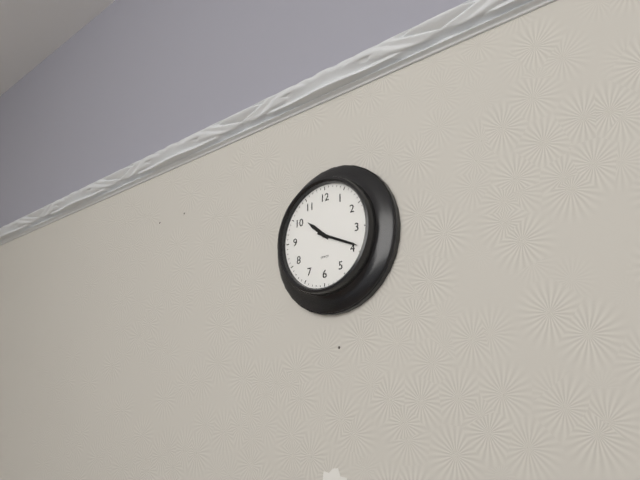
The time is {"hour": 10, "minute": 19}
